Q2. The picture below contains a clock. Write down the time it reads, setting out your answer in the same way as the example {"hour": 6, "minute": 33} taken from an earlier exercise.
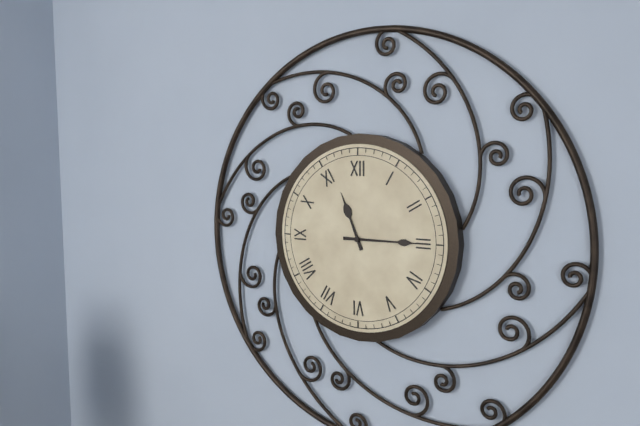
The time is {"hour": 11, "minute": 15}
